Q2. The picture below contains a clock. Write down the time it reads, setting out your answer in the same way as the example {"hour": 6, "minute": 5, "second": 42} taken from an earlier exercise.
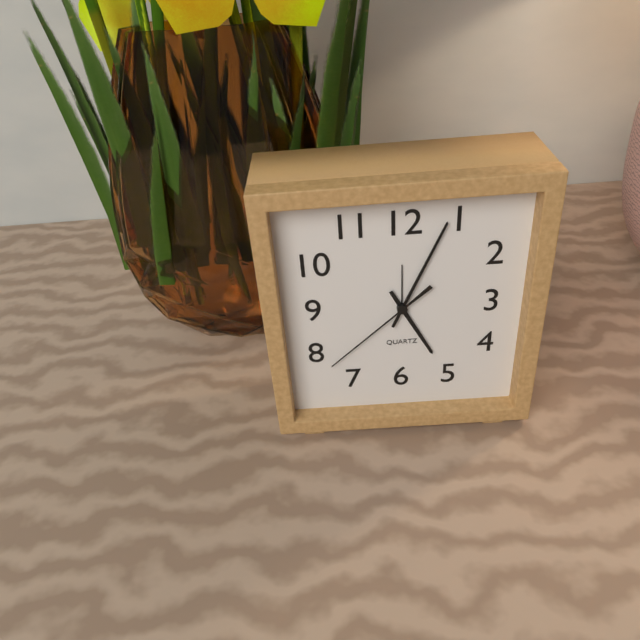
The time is {"hour": 5, "minute": 4, "second": 38}
